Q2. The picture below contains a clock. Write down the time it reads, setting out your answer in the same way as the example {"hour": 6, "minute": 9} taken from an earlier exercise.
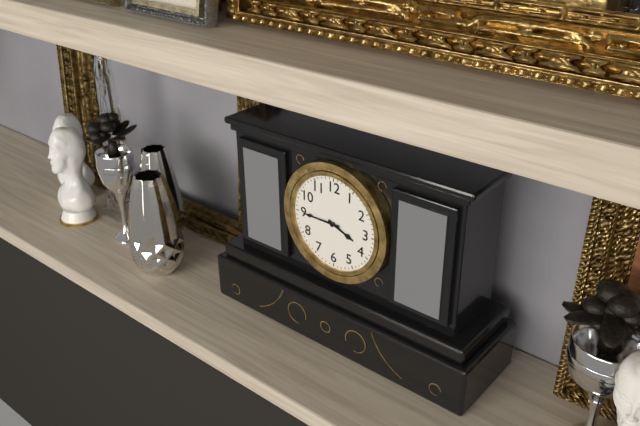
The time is {"hour": 3, "minute": 45}
